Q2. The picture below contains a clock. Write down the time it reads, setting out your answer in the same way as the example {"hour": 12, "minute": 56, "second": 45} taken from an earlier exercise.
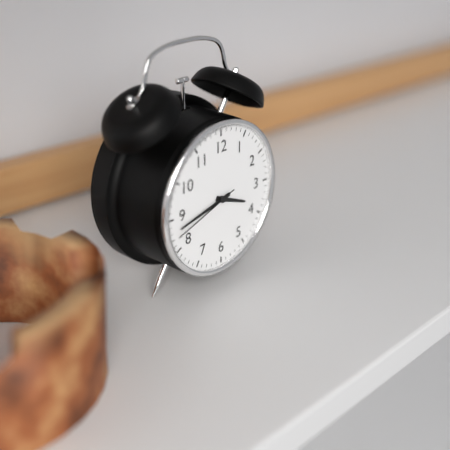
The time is {"hour": 3, "minute": 43, "second": 42}
